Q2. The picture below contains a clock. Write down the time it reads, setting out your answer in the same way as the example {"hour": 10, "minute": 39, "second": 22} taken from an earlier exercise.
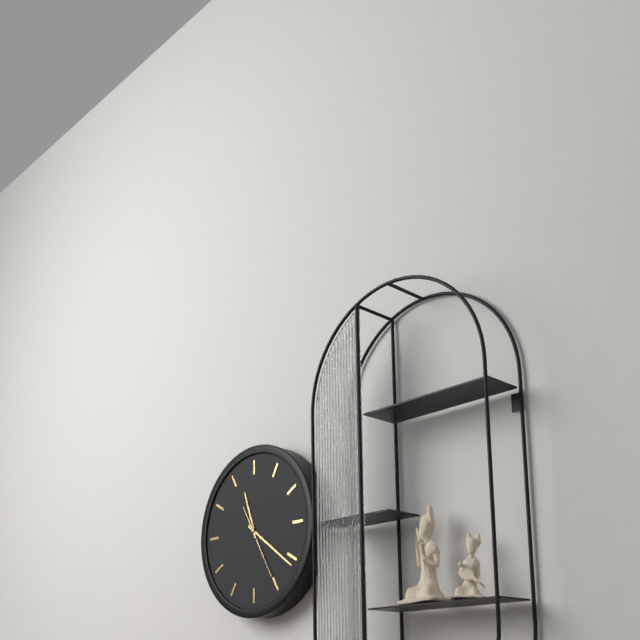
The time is {"hour": 11, "minute": 21, "second": 25}
